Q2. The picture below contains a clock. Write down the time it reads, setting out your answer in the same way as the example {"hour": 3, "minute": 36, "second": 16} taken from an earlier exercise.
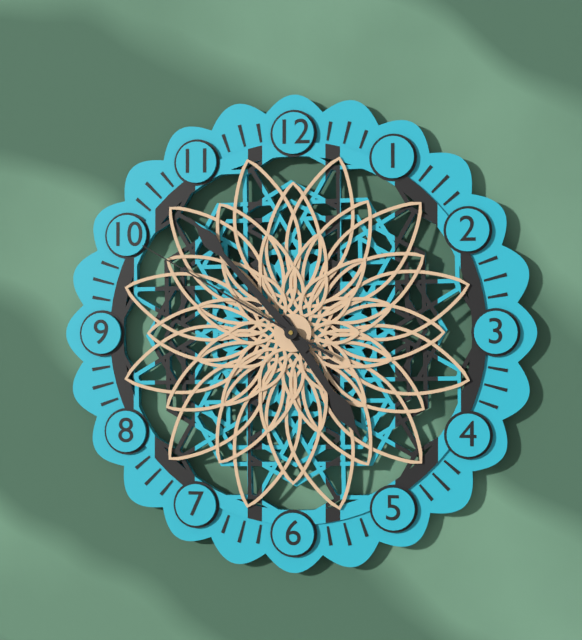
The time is {"hour": 4, "minute": 53, "second": 50}
